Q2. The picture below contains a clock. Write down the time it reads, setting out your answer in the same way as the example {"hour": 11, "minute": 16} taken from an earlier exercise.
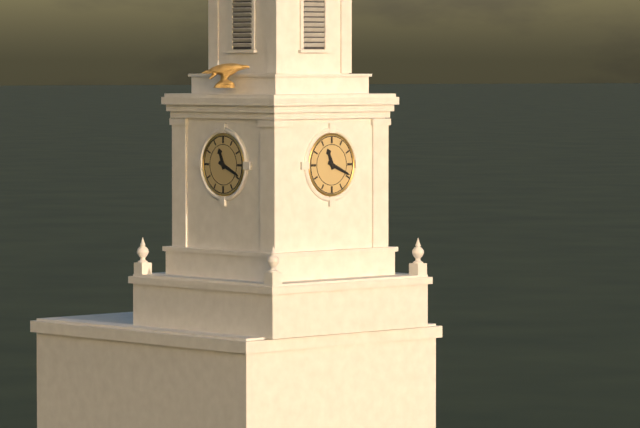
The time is {"hour": 11, "minute": 19}
